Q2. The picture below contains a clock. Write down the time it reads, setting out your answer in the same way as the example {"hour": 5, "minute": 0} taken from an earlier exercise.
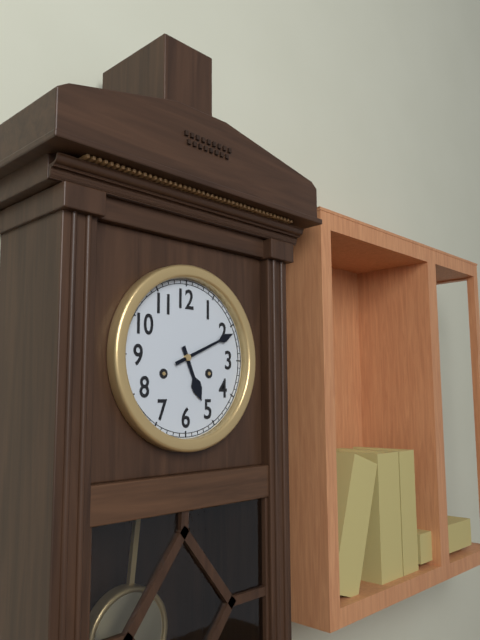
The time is {"hour": 5, "minute": 11}
